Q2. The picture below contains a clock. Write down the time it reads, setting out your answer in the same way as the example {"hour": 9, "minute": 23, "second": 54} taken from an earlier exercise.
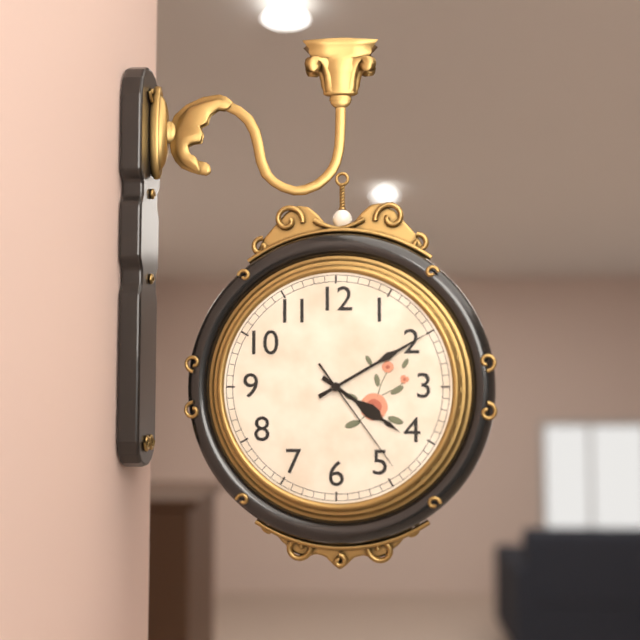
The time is {"hour": 4, "minute": 10, "second": 24}
